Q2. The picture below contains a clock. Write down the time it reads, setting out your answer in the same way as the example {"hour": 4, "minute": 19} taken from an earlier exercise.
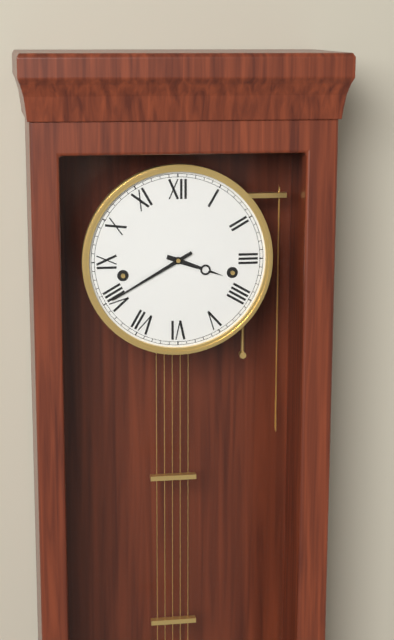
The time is {"hour": 3, "minute": 40}
